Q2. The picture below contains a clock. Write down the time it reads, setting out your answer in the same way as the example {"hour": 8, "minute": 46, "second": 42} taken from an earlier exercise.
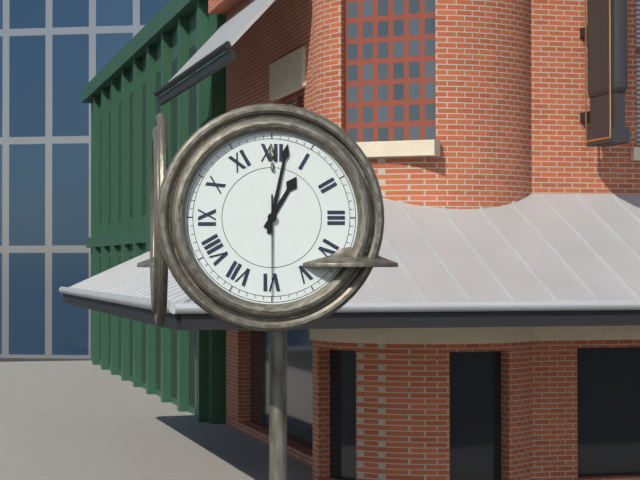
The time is {"hour": 1, "minute": 2, "second": 30}
